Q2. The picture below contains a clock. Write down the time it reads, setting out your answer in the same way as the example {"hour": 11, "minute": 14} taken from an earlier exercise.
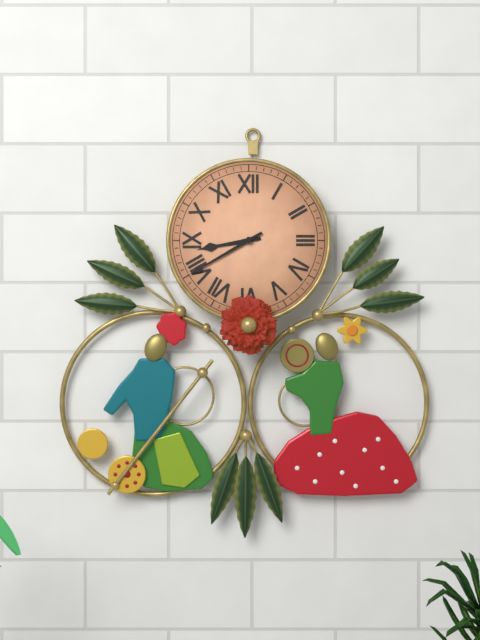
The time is {"hour": 8, "minute": 40}
